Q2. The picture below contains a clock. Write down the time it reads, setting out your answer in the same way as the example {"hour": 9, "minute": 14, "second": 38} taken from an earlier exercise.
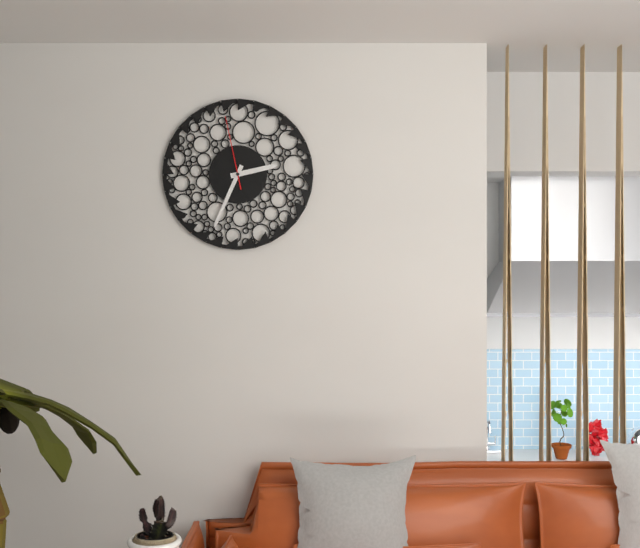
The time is {"hour": 2, "minute": 34, "second": 58}
